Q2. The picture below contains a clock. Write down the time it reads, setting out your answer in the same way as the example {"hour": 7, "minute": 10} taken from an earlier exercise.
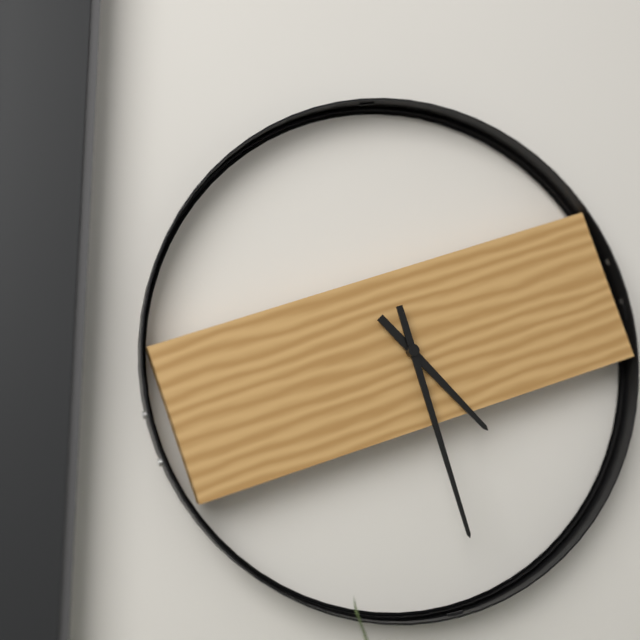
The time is {"hour": 4, "minute": 27}
